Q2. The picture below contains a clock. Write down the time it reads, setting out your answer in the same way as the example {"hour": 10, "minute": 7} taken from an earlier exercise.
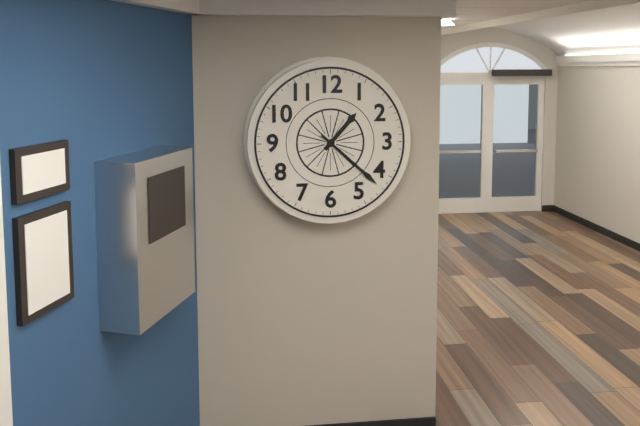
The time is {"hour": 1, "minute": 22}
